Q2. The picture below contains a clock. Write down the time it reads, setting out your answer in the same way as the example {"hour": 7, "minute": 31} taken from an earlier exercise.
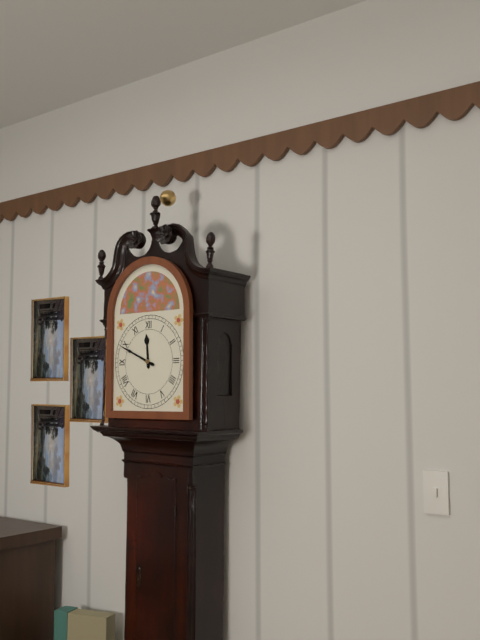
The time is {"hour": 11, "minute": 49}
